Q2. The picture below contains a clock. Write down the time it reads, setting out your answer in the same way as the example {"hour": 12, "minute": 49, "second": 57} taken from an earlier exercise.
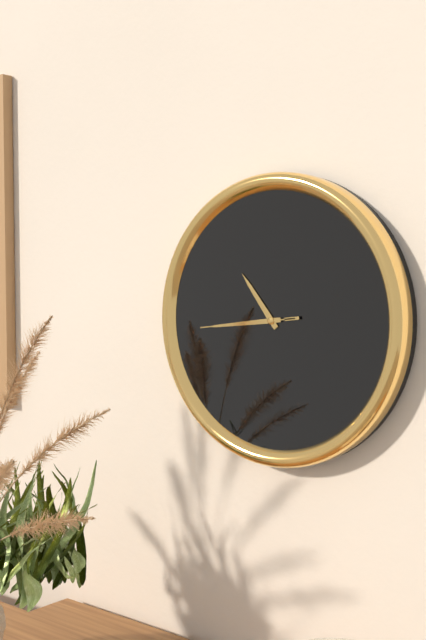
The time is {"hour": 10, "minute": 44, "second": 44}
